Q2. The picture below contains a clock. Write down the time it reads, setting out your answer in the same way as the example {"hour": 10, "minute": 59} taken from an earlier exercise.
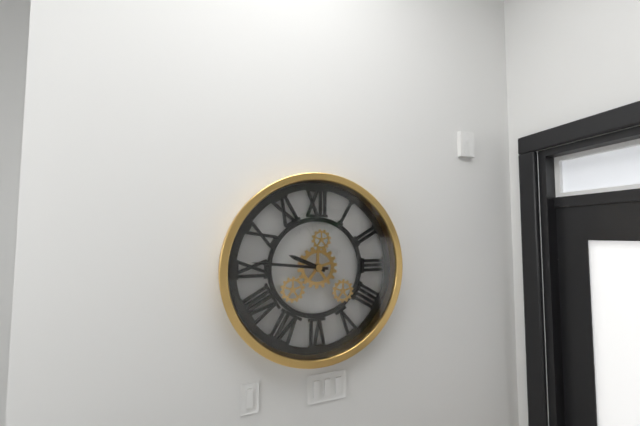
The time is {"hour": 9, "minute": 46}
